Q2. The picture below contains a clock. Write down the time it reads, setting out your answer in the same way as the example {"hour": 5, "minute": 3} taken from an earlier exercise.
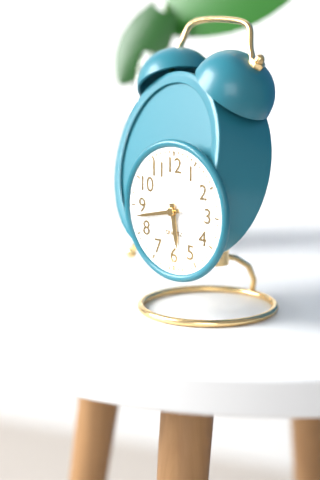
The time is {"hour": 5, "minute": 43}
